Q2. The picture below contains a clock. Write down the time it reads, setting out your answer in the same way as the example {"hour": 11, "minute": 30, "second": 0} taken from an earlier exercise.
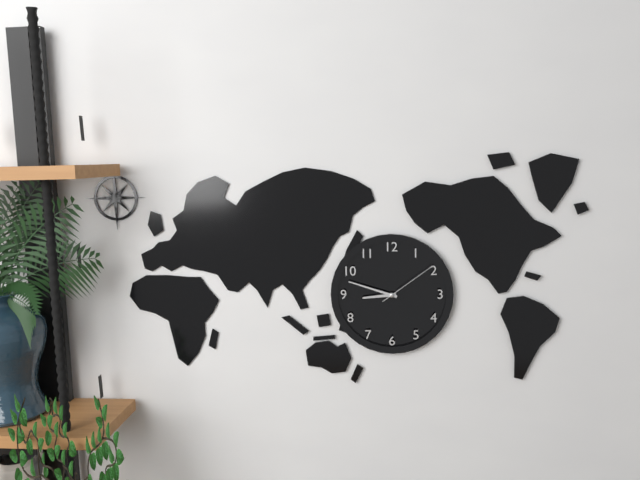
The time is {"hour": 8, "minute": 48, "second": 9}
